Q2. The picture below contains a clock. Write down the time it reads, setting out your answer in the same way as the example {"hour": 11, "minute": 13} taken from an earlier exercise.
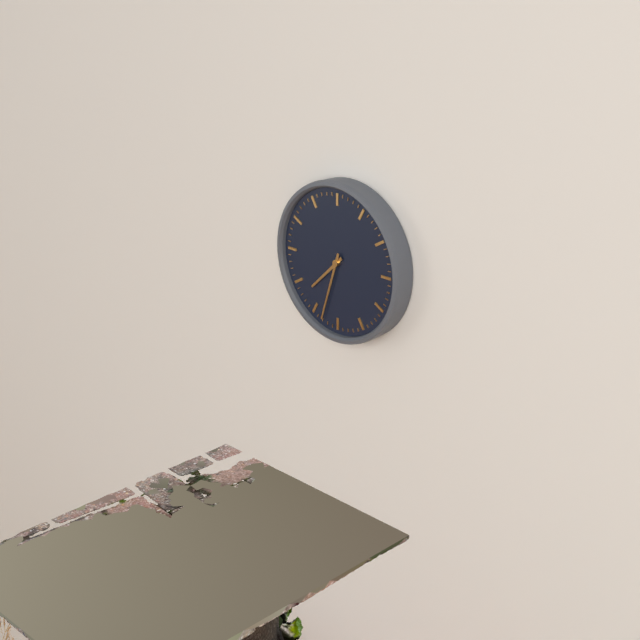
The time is {"hour": 7, "minute": 33}
